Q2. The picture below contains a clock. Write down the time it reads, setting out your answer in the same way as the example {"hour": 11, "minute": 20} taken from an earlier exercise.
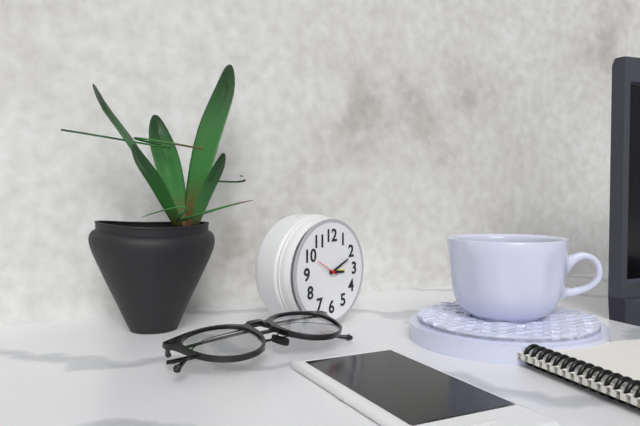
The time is {"hour": 3, "minute": 11}
